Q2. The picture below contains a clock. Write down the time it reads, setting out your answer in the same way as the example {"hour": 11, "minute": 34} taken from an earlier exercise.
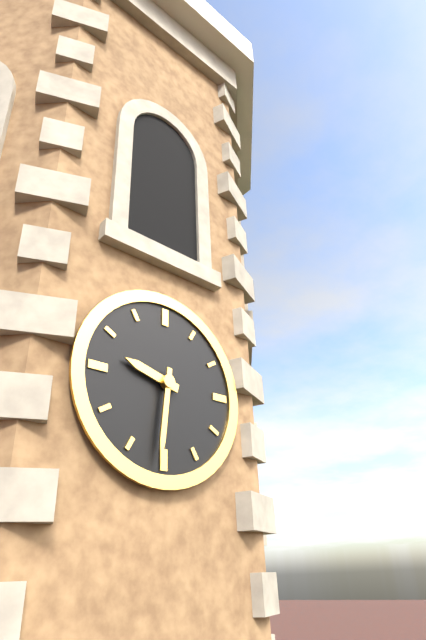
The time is {"hour": 9, "minute": 31}
